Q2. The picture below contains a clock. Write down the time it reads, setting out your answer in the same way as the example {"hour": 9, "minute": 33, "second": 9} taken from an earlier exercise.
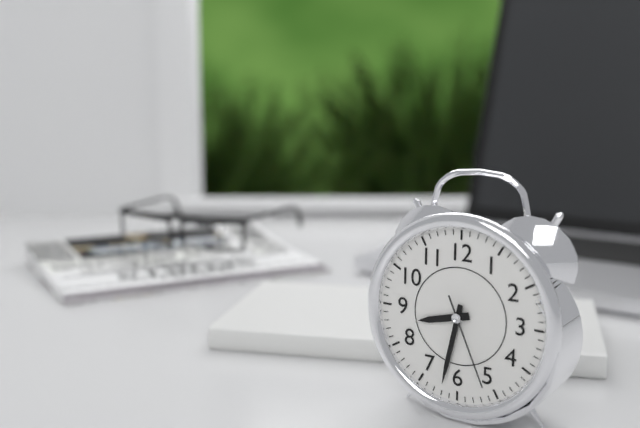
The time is {"hour": 8, "minute": 32, "second": 26}
